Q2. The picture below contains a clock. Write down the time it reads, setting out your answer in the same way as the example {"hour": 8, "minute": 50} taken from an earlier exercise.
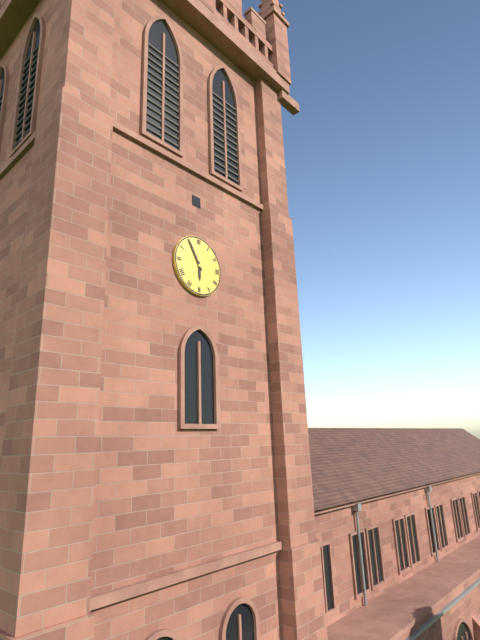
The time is {"hour": 5, "minute": 55}
